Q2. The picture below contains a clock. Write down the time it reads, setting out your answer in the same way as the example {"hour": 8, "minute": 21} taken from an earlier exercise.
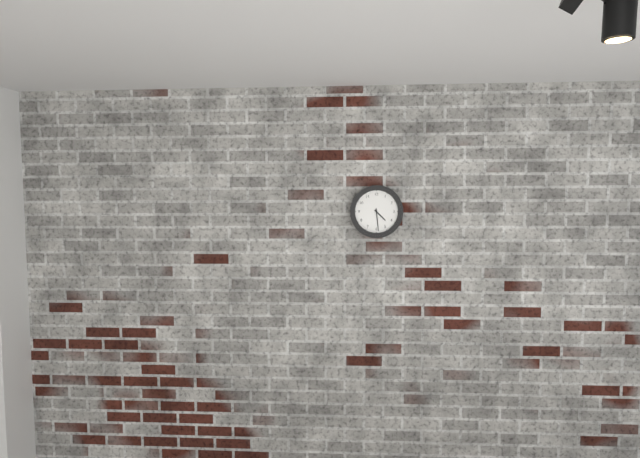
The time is {"hour": 4, "minute": 29}
